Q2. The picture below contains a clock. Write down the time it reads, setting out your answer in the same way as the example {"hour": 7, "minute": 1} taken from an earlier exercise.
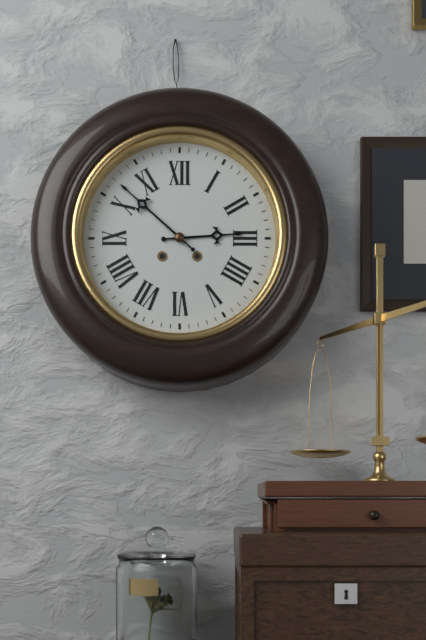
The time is {"hour": 2, "minute": 52}
